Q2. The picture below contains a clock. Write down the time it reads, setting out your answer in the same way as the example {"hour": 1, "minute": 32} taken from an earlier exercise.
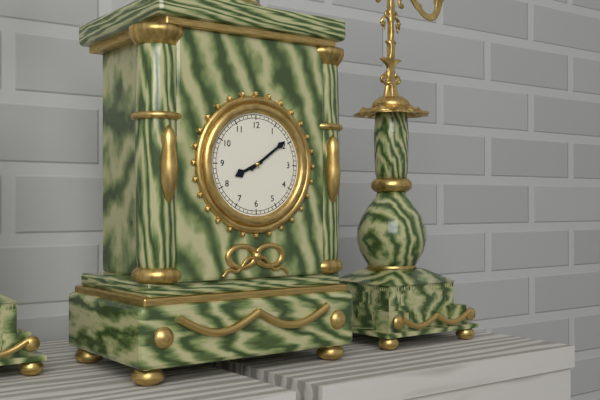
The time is {"hour": 8, "minute": 9}
